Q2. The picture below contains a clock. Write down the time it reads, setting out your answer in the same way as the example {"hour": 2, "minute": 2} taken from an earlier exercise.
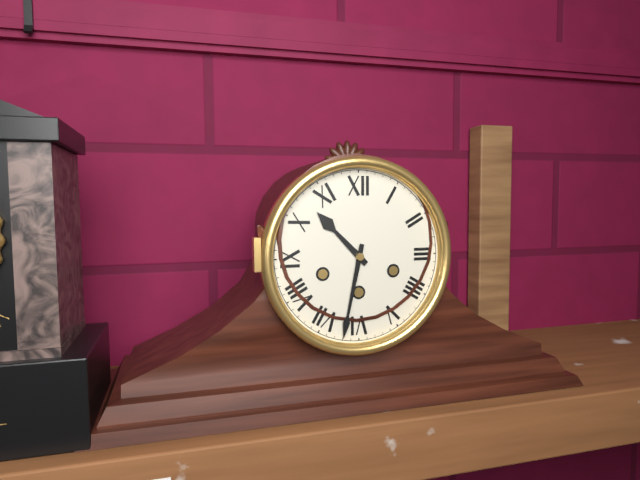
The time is {"hour": 10, "minute": 32}
